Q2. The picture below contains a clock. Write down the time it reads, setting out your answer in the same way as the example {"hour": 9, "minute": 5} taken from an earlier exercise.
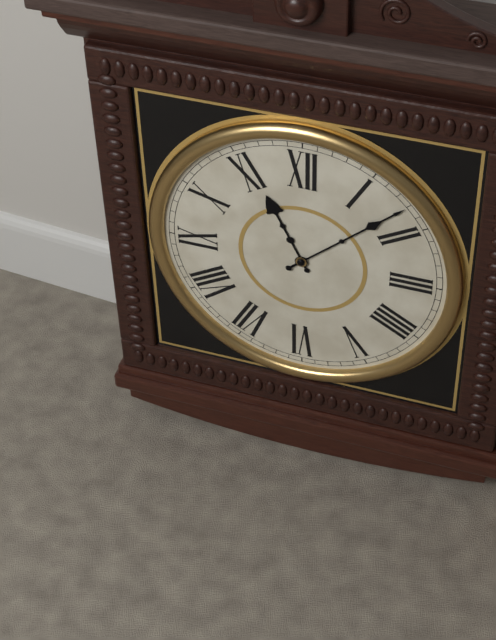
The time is {"hour": 11, "minute": 8}
